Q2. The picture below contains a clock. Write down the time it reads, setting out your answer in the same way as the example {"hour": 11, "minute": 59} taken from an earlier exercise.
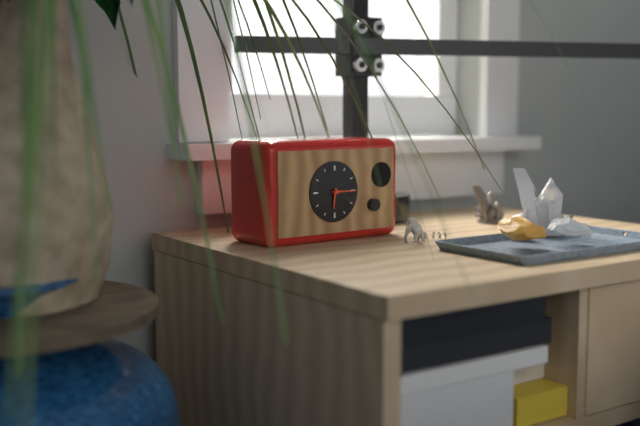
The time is {"hour": 6, "minute": 15}
